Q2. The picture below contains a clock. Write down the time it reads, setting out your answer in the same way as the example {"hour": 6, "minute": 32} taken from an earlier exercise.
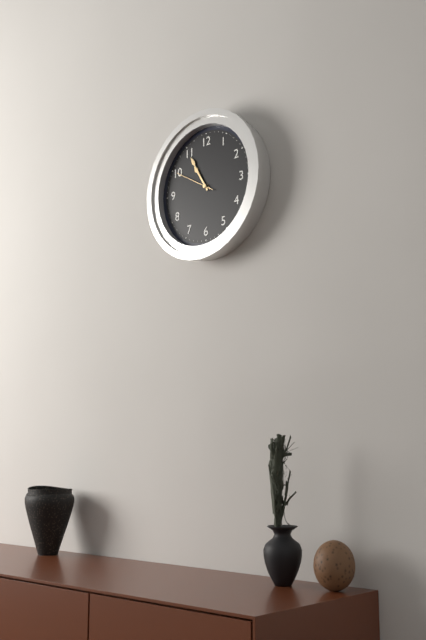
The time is {"hour": 10, "minute": 55}
